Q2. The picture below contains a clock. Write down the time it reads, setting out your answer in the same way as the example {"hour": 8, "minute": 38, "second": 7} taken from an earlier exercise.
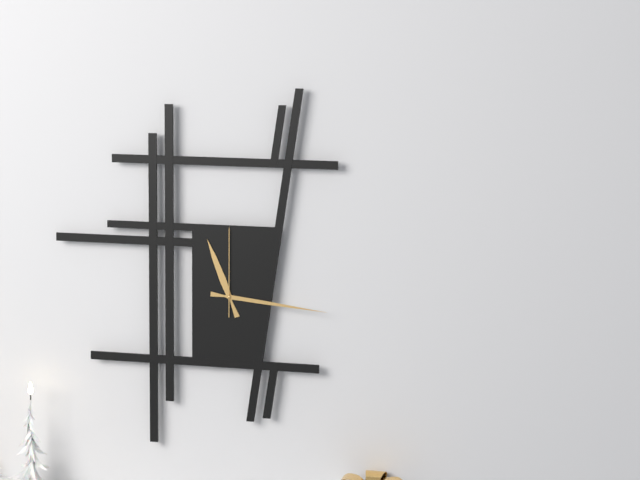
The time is {"hour": 11, "minute": 16, "second": 0}
